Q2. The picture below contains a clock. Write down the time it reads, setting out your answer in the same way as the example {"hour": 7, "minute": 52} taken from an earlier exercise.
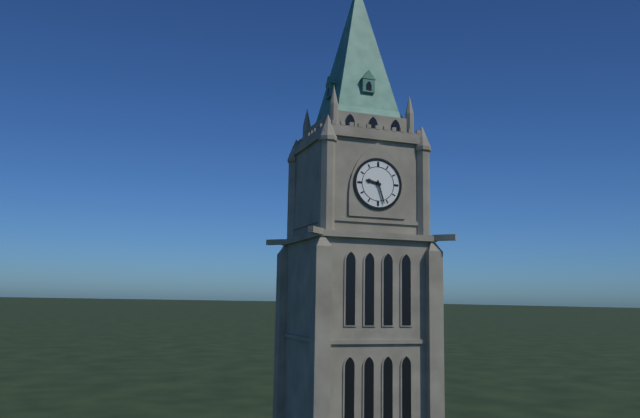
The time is {"hour": 9, "minute": 27}
